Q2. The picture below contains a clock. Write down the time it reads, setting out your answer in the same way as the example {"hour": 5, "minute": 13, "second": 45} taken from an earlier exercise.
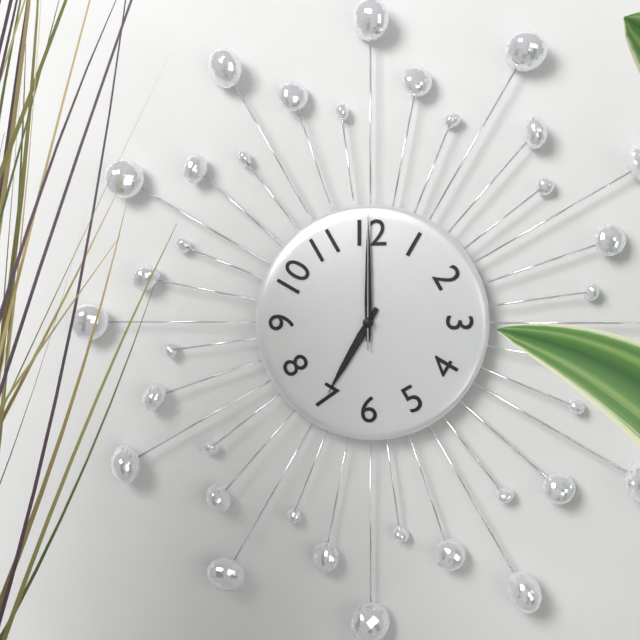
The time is {"hour": 7, "minute": 0, "second": 0}
